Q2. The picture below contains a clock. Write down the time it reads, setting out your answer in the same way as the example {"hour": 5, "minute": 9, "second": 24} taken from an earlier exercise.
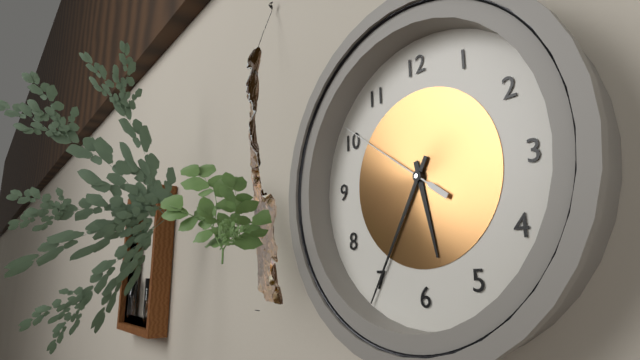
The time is {"hour": 5, "minute": 35, "second": 51}
